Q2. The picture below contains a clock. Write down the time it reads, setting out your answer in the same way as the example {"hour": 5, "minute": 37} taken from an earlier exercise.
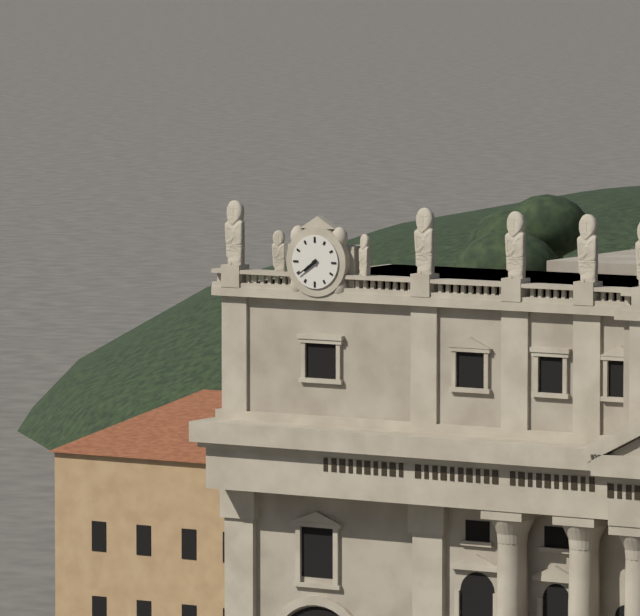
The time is {"hour": 7, "minute": 39}
